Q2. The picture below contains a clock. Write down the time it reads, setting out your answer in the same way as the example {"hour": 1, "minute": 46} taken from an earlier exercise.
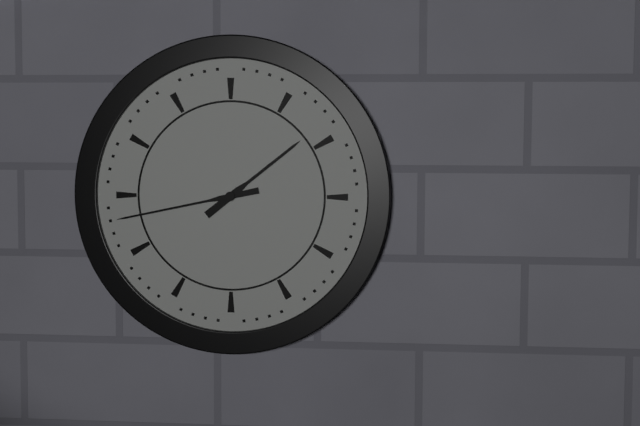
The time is {"hour": 1, "minute": 43}
